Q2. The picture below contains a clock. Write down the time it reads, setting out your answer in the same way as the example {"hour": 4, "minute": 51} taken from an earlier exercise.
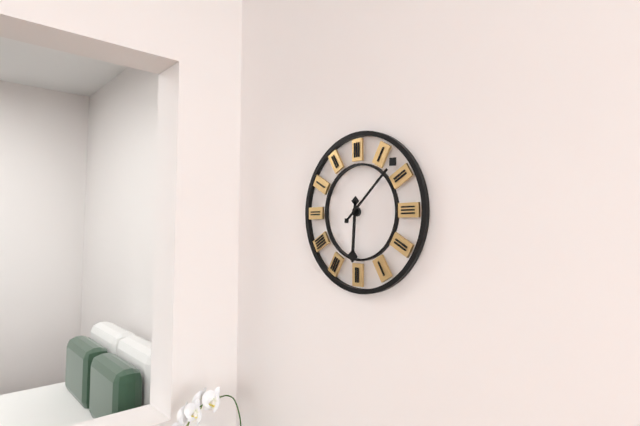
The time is {"hour": 6, "minute": 8}
